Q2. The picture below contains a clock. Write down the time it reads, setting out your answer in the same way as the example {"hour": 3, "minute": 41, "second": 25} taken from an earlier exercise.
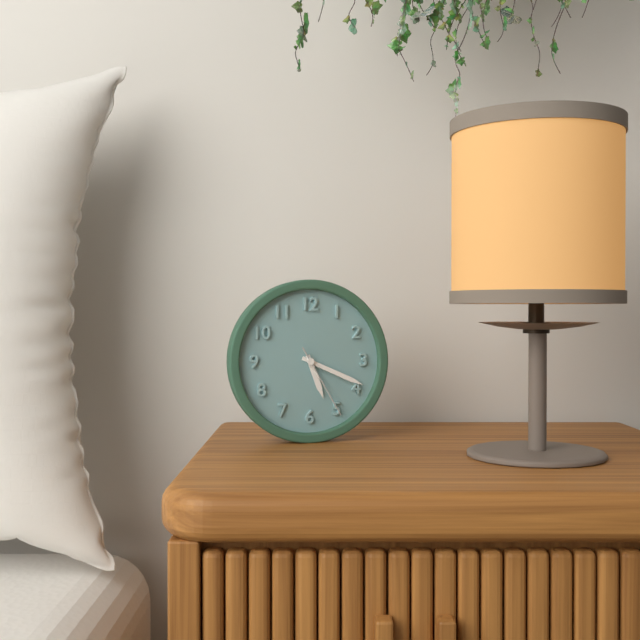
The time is {"hour": 5, "minute": 19, "second": 25}
